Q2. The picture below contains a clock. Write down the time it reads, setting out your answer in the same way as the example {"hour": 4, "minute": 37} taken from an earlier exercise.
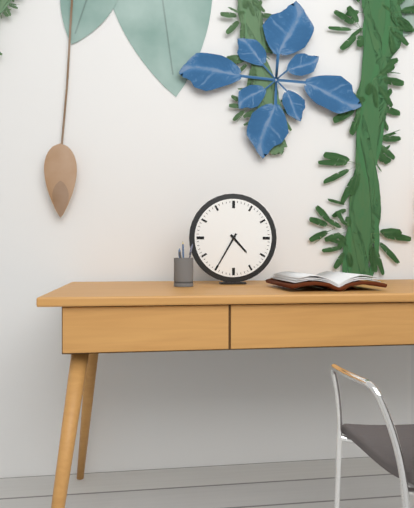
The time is {"hour": 4, "minute": 35}
